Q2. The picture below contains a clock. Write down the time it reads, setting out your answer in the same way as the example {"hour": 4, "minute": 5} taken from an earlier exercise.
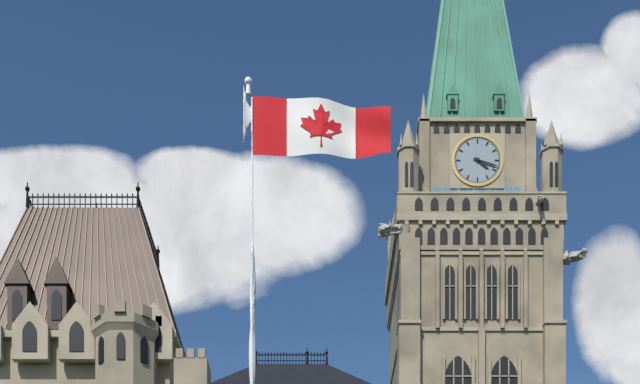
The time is {"hour": 4, "minute": 18}
